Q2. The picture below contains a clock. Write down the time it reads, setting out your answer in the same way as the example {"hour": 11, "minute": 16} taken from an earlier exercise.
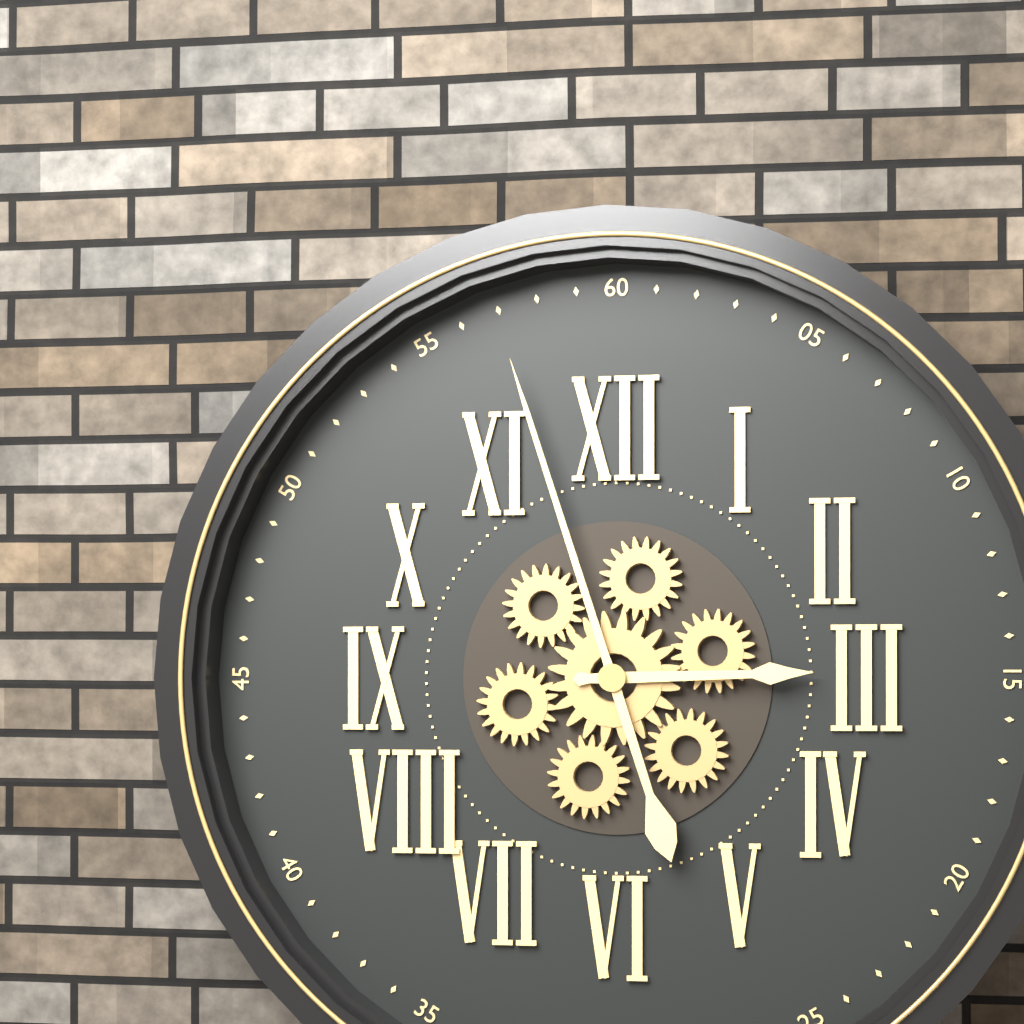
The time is {"hour": 2, "minute": 57}
